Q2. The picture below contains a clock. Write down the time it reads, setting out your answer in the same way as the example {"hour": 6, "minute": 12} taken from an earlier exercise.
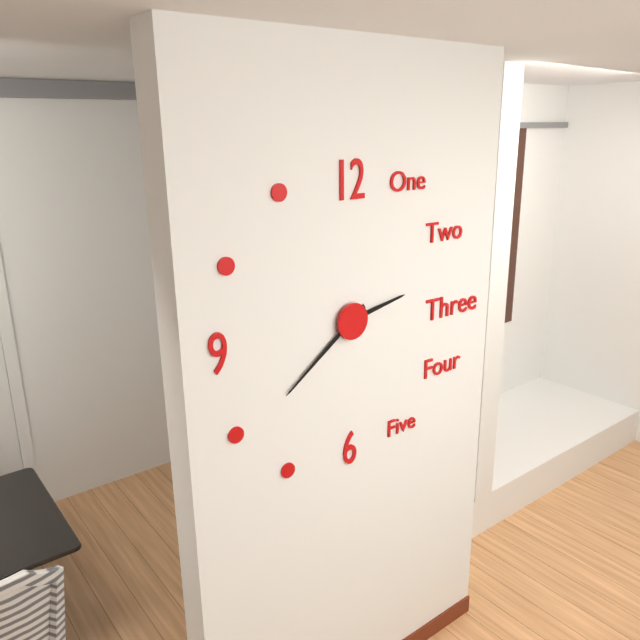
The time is {"hour": 2, "minute": 39}
